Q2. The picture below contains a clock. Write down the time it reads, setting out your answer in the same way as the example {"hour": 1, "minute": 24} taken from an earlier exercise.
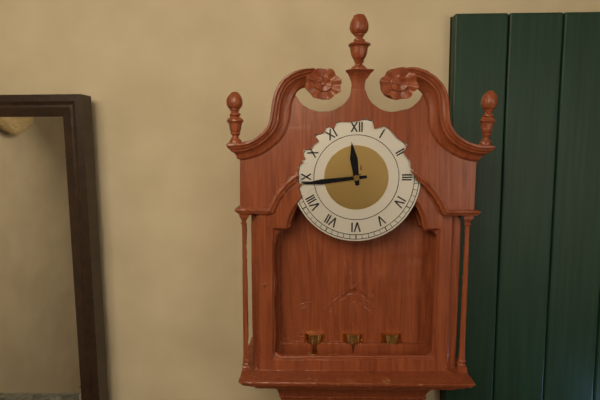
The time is {"hour": 11, "minute": 44}
